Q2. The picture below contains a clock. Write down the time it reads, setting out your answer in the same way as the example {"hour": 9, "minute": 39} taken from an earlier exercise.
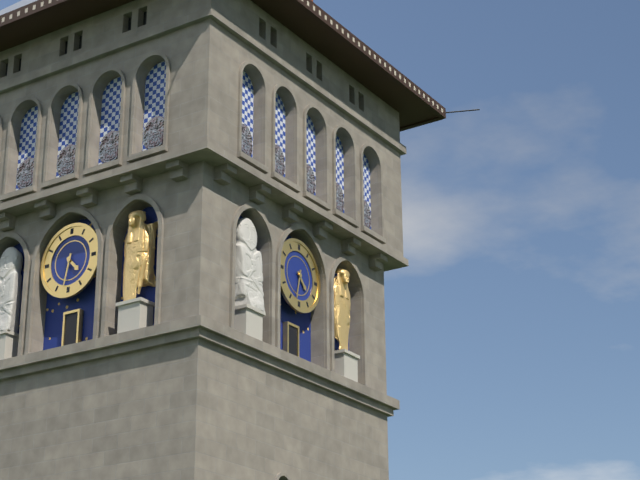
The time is {"hour": 4, "minute": 32}
